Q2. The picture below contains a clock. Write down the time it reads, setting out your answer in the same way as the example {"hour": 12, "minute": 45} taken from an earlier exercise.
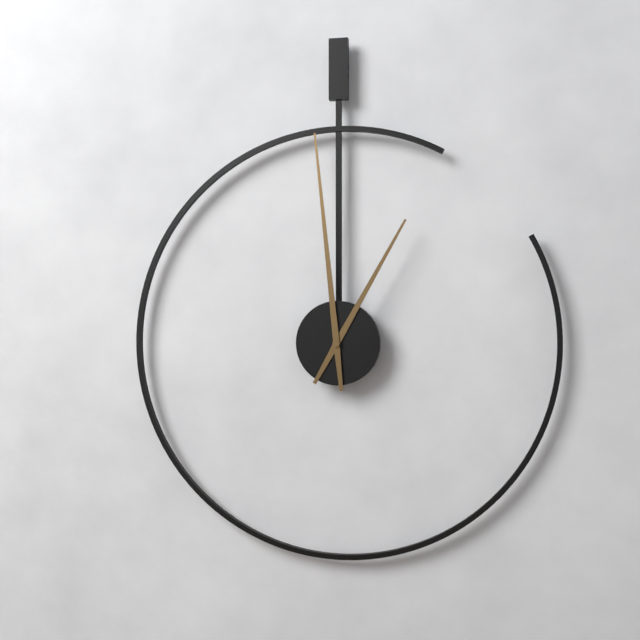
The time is {"hour": 12, "minute": 59}
